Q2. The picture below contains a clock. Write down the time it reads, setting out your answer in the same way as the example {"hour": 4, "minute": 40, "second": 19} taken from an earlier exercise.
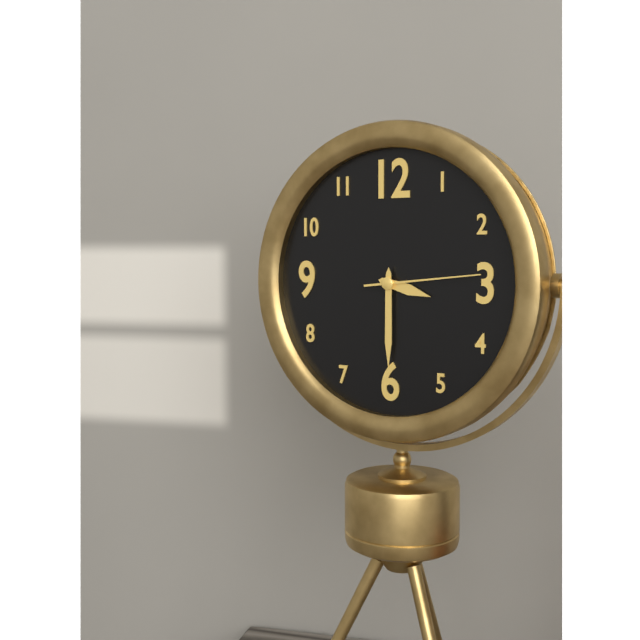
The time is {"hour": 3, "minute": 30, "second": 14}
